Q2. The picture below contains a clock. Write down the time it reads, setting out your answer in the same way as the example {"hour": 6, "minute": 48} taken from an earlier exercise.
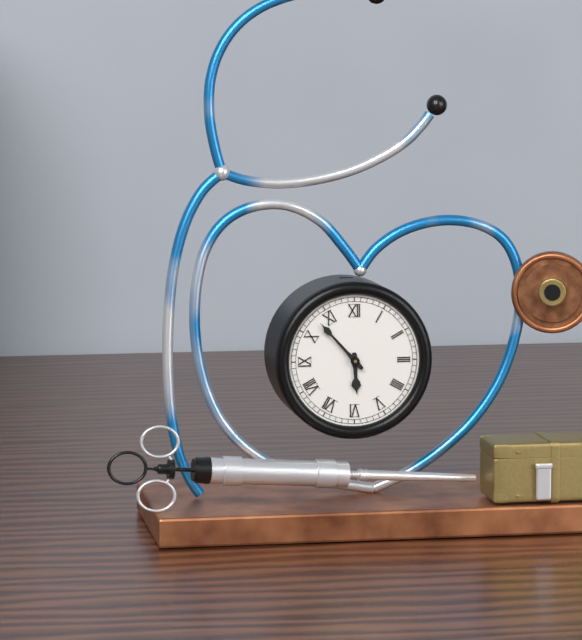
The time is {"hour": 5, "minute": 53}
